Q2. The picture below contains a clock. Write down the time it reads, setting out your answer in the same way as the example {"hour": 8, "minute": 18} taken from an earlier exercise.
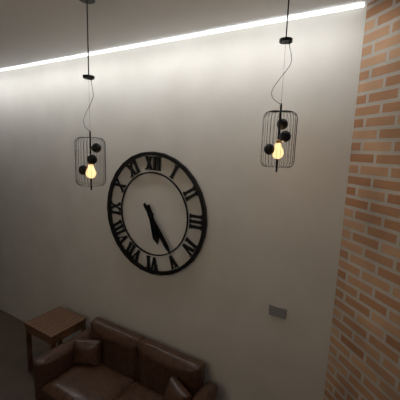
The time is {"hour": 5, "minute": 24}
